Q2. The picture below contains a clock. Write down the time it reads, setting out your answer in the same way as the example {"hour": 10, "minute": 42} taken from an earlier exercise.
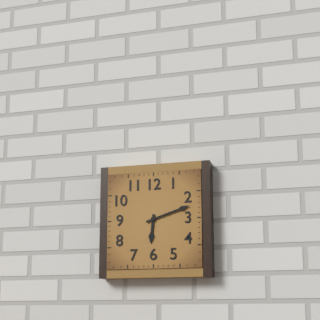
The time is {"hour": 6, "minute": 12}
